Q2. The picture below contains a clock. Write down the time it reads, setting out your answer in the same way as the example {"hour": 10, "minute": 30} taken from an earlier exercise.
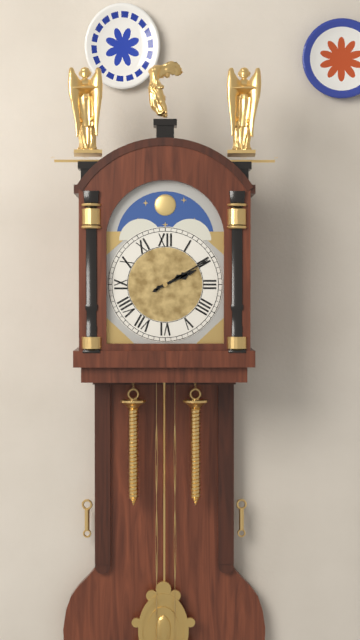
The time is {"hour": 2, "minute": 10}
